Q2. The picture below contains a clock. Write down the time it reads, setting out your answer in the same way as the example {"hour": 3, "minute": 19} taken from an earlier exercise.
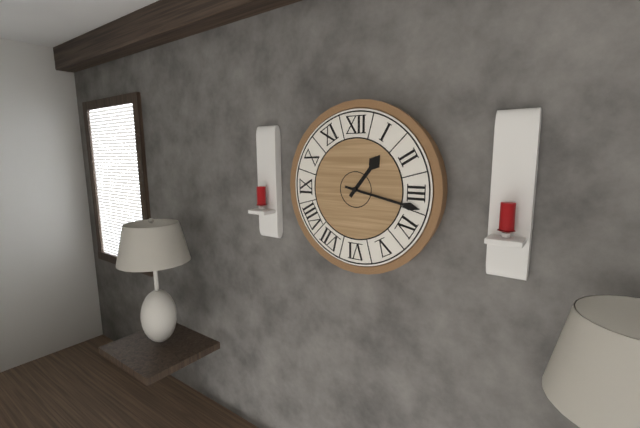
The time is {"hour": 1, "minute": 17}
